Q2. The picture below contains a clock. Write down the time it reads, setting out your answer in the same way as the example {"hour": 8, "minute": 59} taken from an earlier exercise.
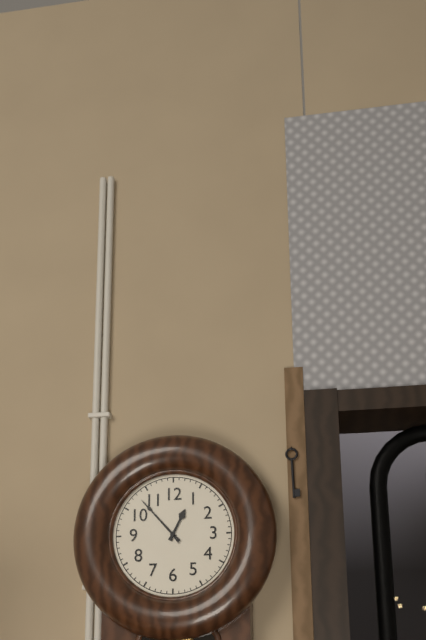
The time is {"hour": 12, "minute": 53}
